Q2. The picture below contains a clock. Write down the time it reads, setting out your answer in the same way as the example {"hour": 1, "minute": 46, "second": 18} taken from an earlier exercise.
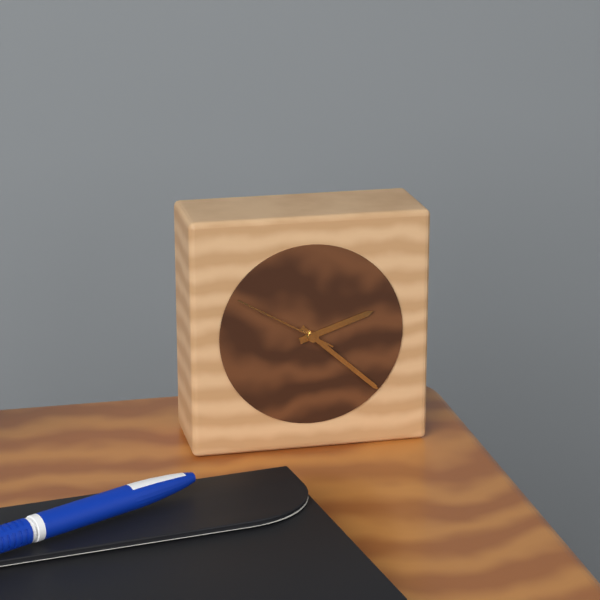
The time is {"hour": 2, "minute": 22, "second": 50}
